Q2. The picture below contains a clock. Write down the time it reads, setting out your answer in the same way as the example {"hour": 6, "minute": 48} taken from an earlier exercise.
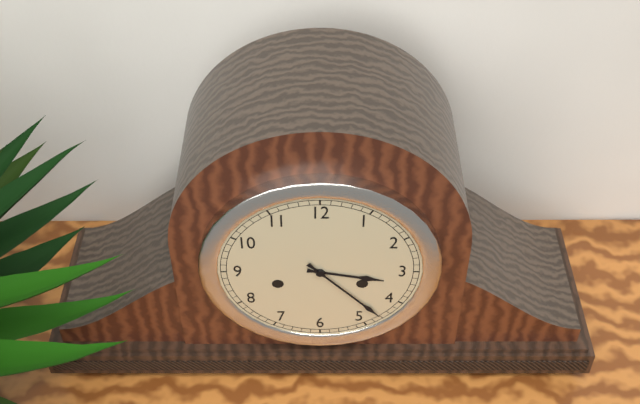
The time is {"hour": 3, "minute": 23}
